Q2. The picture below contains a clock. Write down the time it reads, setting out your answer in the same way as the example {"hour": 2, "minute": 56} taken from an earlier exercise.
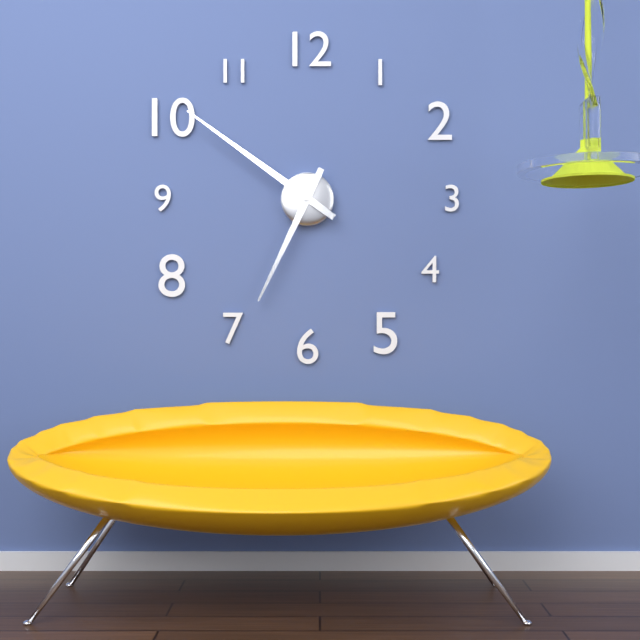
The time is {"hour": 6, "minute": 51}
